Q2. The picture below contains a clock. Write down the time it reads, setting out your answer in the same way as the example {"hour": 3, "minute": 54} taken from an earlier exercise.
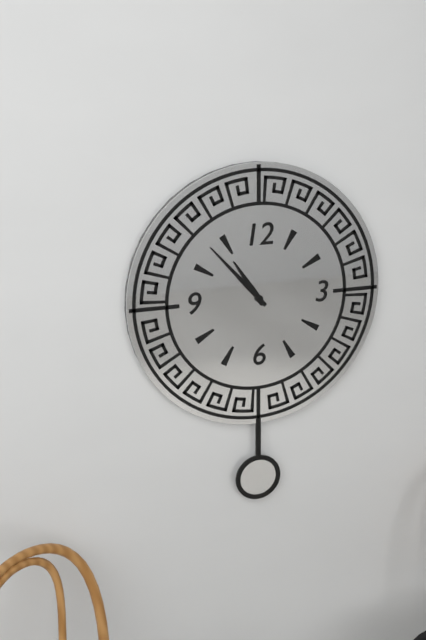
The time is {"hour": 10, "minute": 53}
